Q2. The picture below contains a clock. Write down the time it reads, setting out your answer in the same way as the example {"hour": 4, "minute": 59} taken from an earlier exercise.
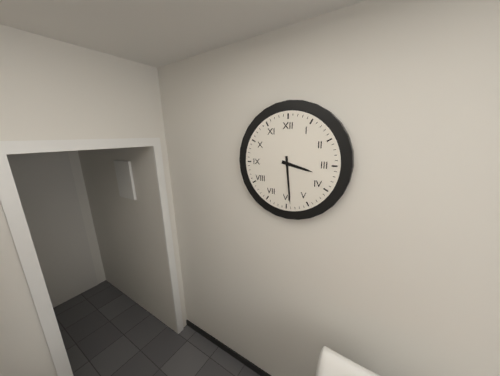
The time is {"hour": 3, "minute": 29}
